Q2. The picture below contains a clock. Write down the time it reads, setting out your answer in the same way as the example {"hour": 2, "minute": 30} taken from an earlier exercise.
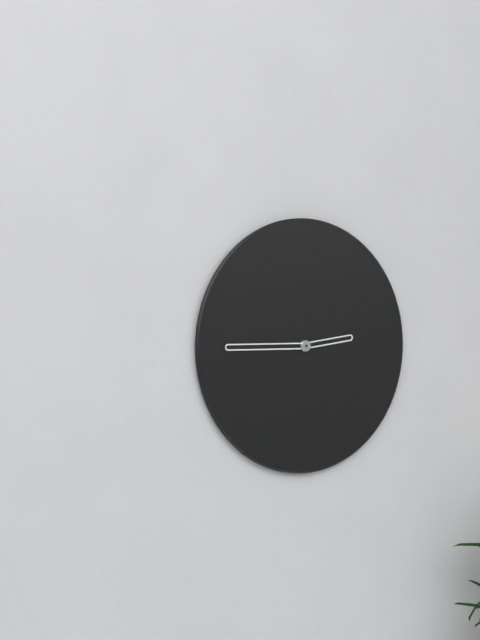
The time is {"hour": 2, "minute": 45}
